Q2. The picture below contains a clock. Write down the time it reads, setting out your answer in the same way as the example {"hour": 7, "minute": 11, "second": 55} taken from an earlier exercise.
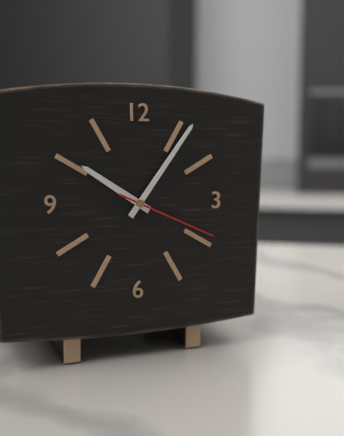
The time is {"hour": 10, "minute": 6, "second": 19}
